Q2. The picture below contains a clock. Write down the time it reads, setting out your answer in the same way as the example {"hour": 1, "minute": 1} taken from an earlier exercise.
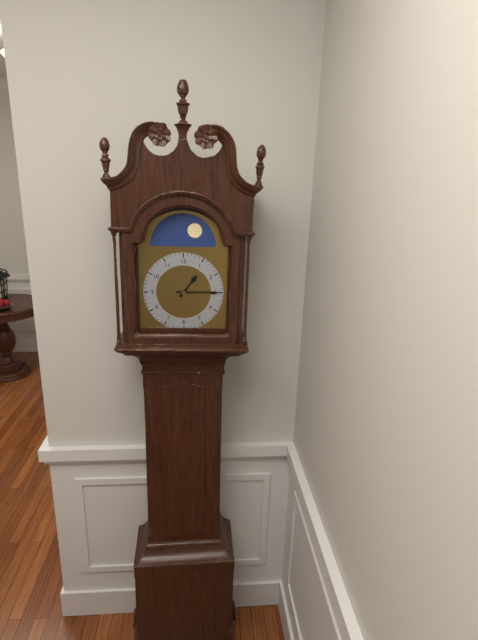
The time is {"hour": 1, "minute": 15}
